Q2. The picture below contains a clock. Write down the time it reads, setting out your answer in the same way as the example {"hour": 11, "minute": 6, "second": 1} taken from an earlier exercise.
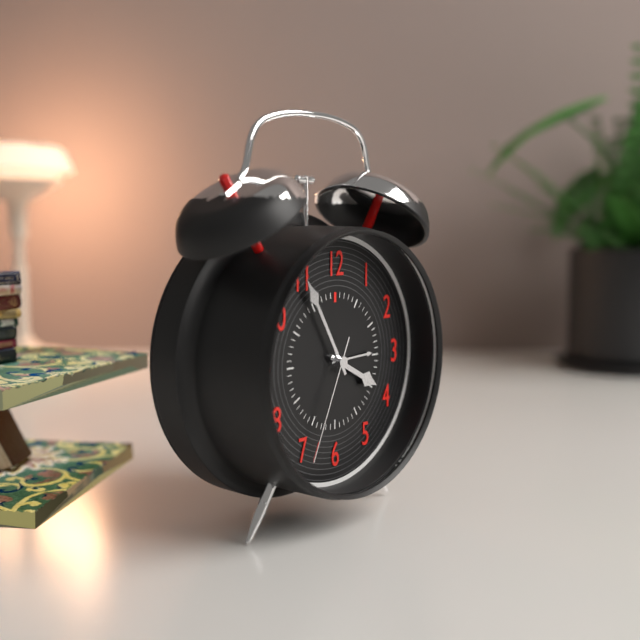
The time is {"hour": 3, "minute": 55, "second": 34}
